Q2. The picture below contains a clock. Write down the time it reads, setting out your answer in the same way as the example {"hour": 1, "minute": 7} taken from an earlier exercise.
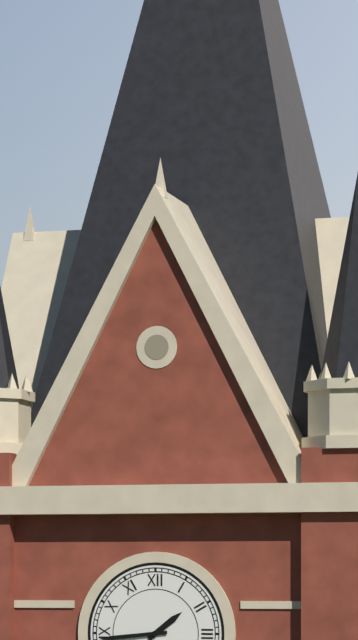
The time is {"hour": 1, "minute": 44}
